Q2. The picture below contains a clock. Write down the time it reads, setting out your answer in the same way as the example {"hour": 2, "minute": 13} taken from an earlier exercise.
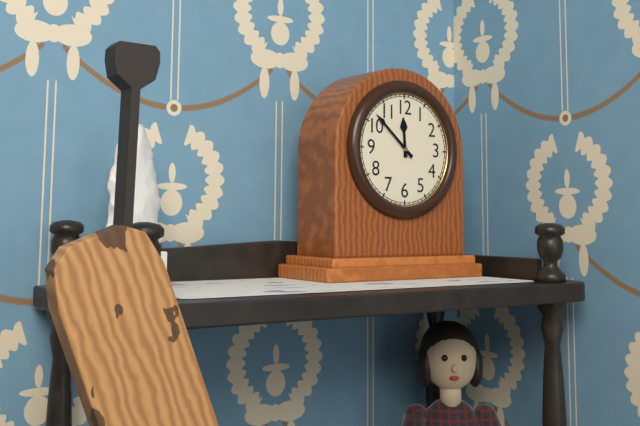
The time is {"hour": 11, "minute": 52}
